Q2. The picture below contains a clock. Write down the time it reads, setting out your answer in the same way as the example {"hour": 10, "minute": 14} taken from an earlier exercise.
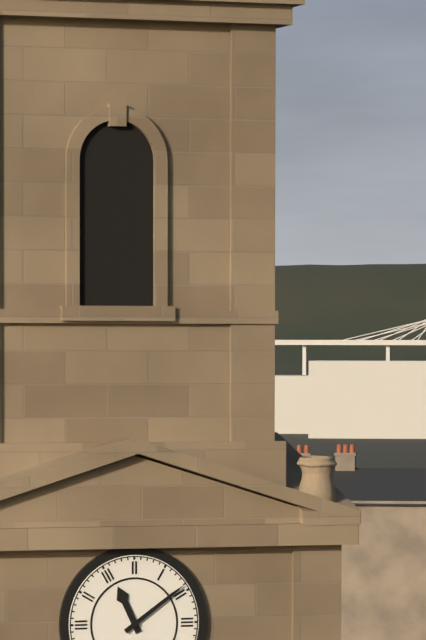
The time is {"hour": 11, "minute": 9}
